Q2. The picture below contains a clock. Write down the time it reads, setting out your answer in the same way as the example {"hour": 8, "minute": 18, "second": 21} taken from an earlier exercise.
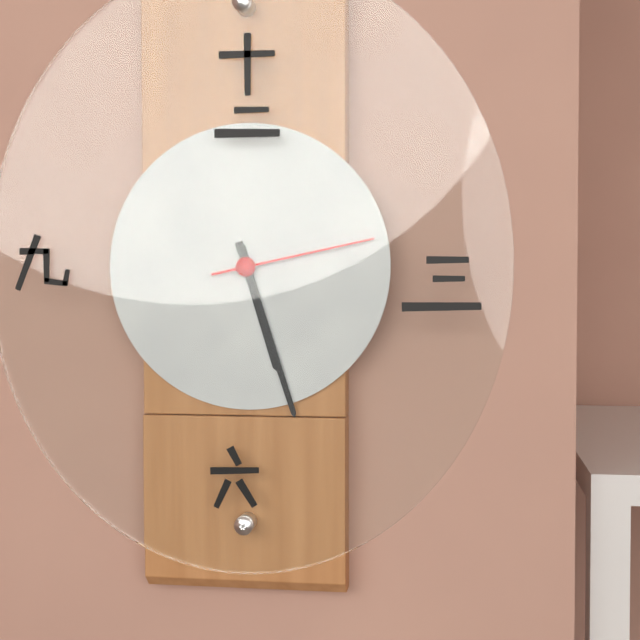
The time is {"hour": 5, "minute": 27, "second": 13}
